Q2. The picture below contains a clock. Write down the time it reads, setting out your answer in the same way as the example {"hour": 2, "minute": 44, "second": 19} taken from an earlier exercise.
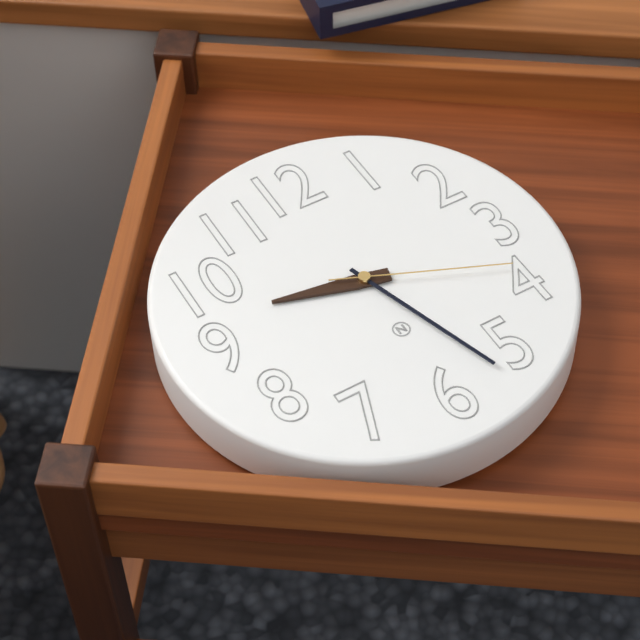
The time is {"hour": 9, "minute": 27, "second": 19}
